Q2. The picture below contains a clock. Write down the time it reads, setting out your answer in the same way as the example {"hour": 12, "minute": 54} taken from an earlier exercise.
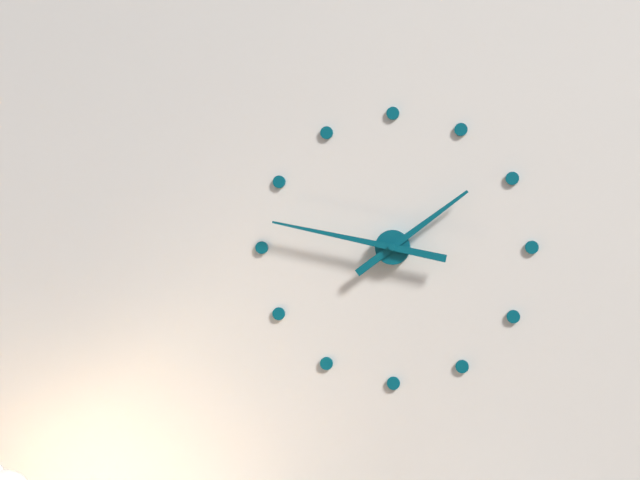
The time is {"hour": 1, "minute": 47}
